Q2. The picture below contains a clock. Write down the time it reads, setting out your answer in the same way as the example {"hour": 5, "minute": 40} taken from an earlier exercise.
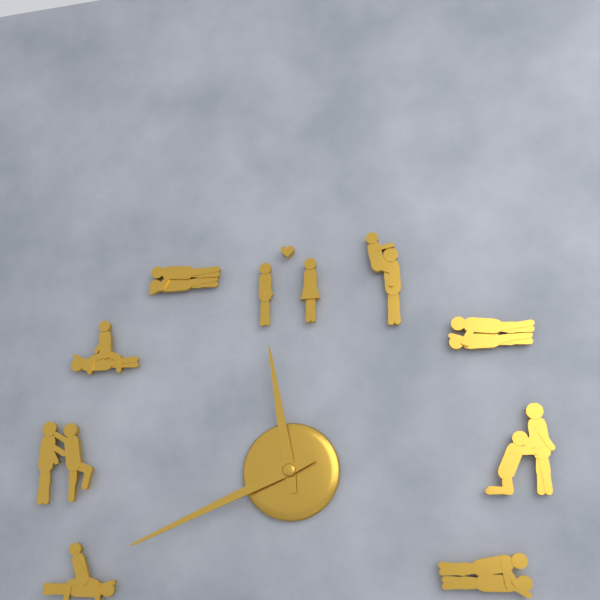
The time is {"hour": 11, "minute": 41}
